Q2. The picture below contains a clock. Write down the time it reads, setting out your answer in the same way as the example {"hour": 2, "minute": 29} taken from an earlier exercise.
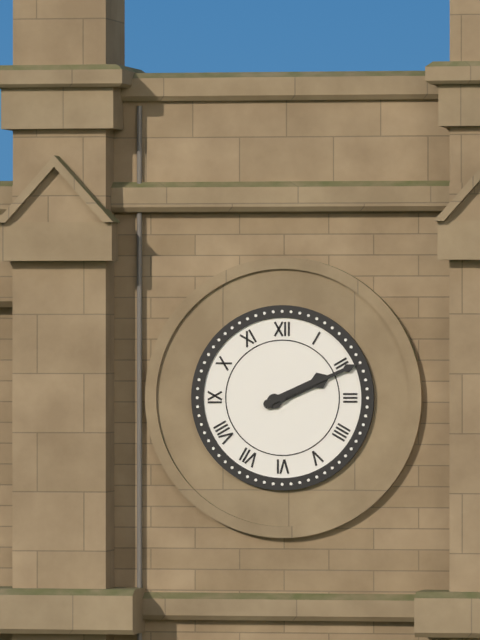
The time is {"hour": 2, "minute": 11}
